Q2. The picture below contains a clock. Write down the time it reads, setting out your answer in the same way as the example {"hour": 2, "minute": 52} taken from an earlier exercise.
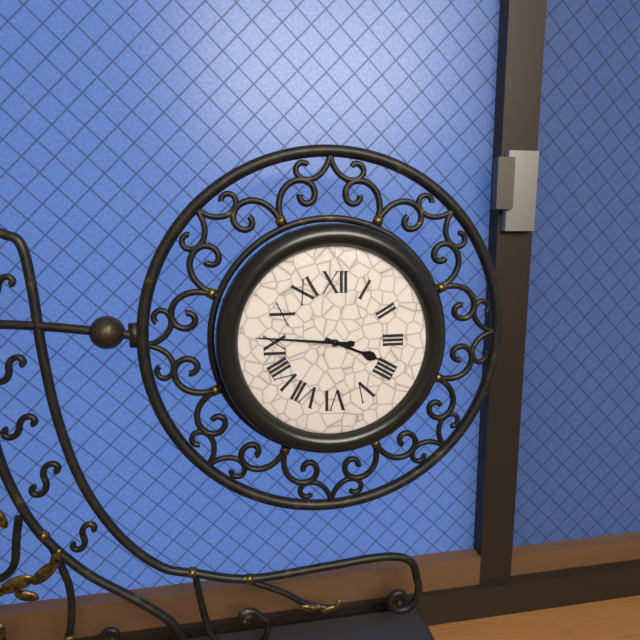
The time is {"hour": 3, "minute": 46}
